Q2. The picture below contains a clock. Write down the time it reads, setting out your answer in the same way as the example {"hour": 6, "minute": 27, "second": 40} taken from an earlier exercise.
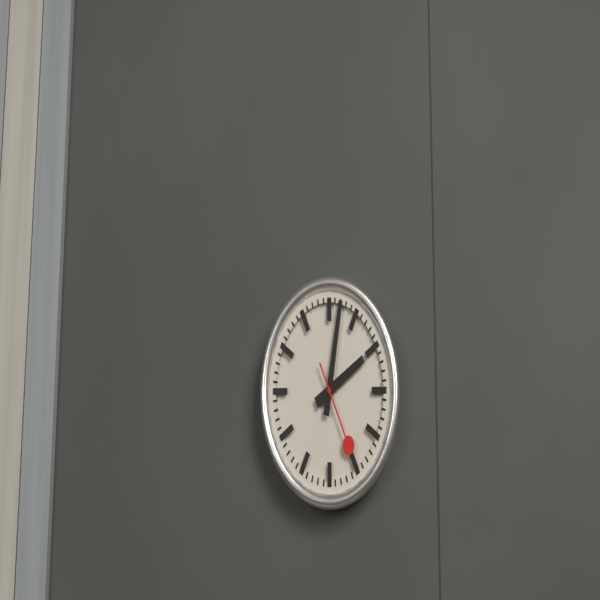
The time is {"hour": 2, "minute": 2, "second": 25}
